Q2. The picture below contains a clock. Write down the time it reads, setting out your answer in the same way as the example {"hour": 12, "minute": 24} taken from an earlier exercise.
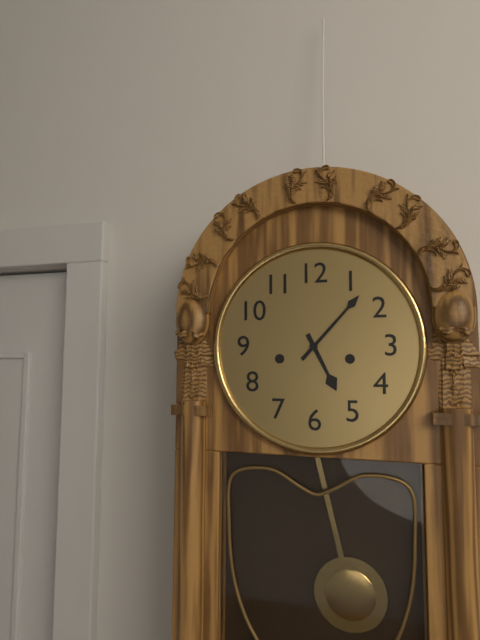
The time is {"hour": 5, "minute": 7}
